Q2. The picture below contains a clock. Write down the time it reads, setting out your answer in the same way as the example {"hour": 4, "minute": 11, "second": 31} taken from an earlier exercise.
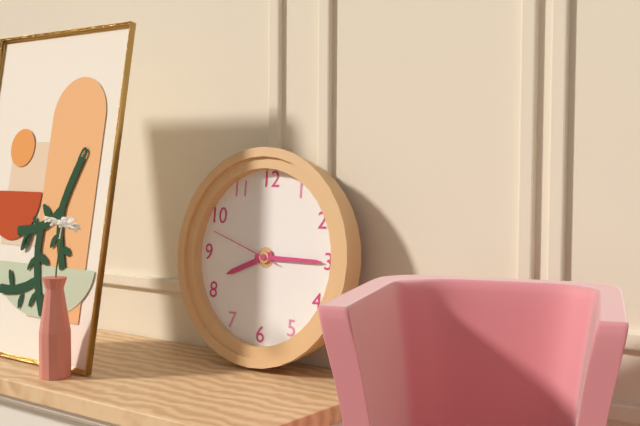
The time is {"hour": 8, "minute": 15, "second": 48}
